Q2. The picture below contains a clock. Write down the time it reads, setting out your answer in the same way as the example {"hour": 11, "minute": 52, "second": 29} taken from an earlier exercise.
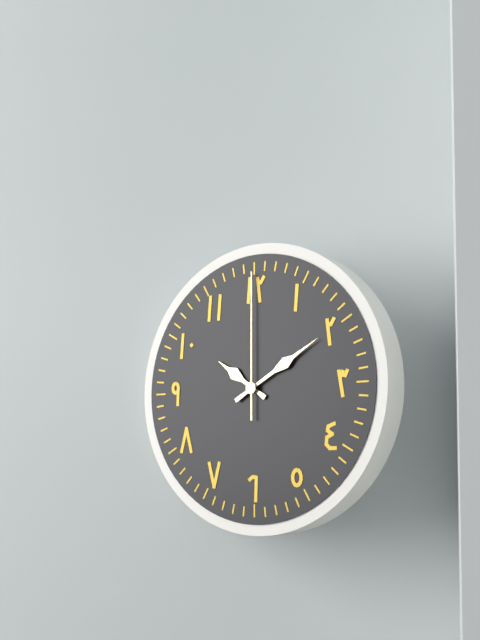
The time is {"hour": 10, "minute": 10, "second": 0}
